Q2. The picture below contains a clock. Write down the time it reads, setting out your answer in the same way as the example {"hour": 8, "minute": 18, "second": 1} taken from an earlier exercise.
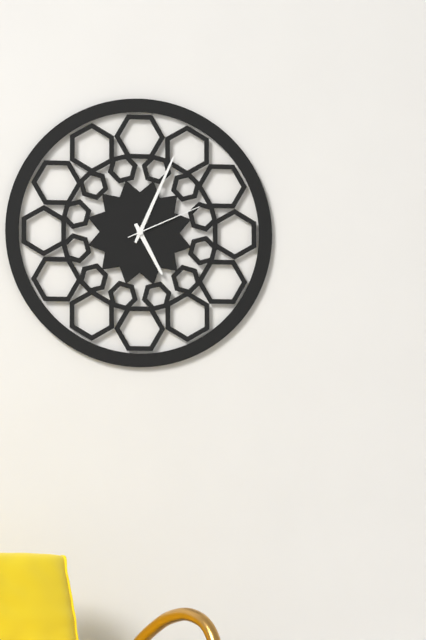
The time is {"hour": 5, "minute": 4, "second": 11}
